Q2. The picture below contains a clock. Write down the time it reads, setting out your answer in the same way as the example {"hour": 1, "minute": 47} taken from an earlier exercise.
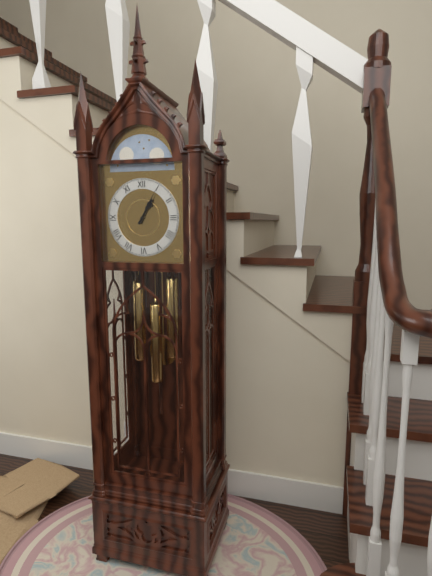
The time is {"hour": 1, "minute": 5}
